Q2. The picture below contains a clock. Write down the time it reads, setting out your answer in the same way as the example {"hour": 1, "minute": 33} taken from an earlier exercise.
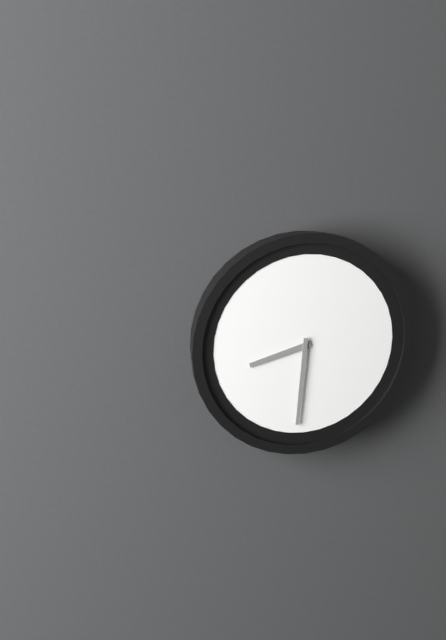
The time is {"hour": 8, "minute": 31}
